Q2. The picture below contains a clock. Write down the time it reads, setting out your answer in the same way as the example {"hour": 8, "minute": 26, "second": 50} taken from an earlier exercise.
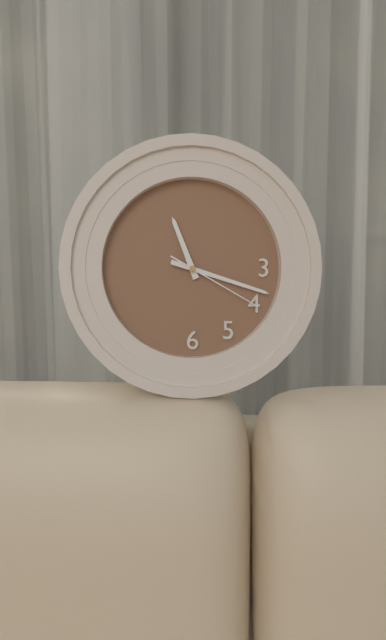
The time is {"hour": 11, "minute": 18, "second": 20}
